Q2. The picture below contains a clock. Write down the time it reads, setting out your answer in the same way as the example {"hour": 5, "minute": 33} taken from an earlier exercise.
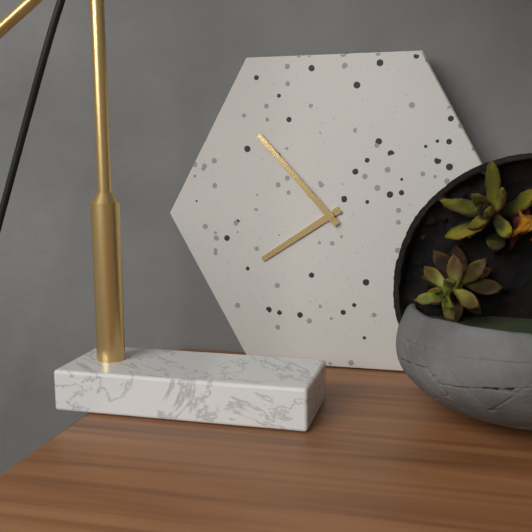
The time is {"hour": 7, "minute": 53}
